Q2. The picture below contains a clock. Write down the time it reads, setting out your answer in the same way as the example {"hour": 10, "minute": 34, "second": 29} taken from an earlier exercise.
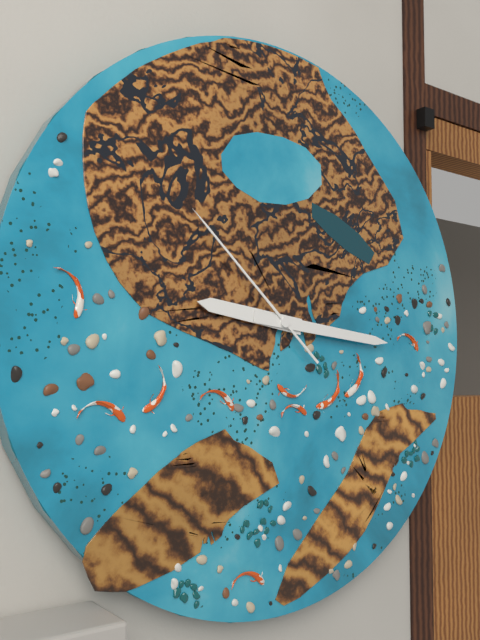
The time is {"hour": 9, "minute": 16, "second": 52}
